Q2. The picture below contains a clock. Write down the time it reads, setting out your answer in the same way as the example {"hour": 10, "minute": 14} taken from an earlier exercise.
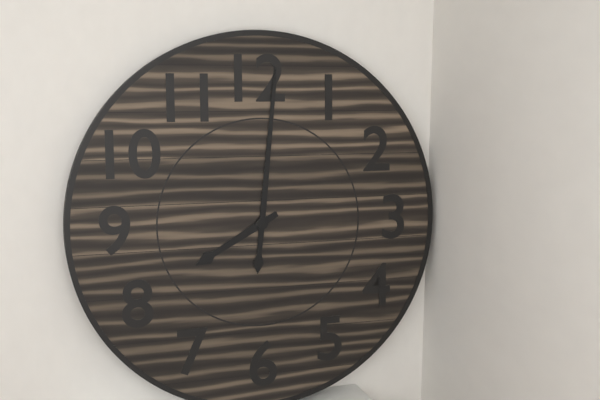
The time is {"hour": 8, "minute": 1}
